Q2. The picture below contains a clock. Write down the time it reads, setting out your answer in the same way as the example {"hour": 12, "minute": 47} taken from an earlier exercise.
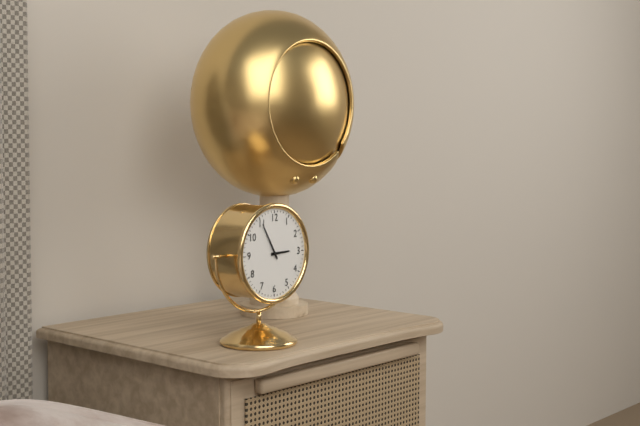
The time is {"hour": 2, "minute": 55}
